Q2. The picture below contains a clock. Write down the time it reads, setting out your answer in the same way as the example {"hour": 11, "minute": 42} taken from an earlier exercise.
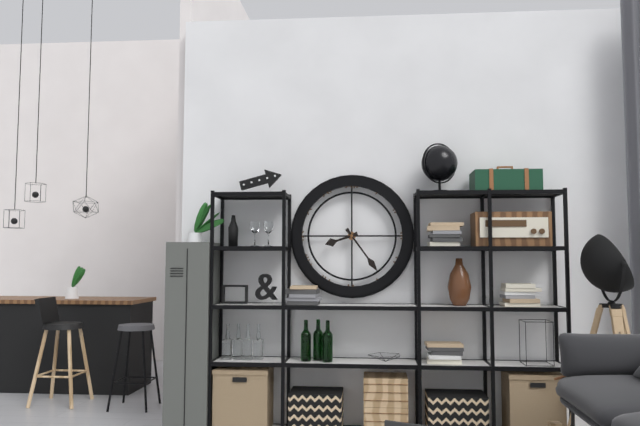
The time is {"hour": 8, "minute": 24}
